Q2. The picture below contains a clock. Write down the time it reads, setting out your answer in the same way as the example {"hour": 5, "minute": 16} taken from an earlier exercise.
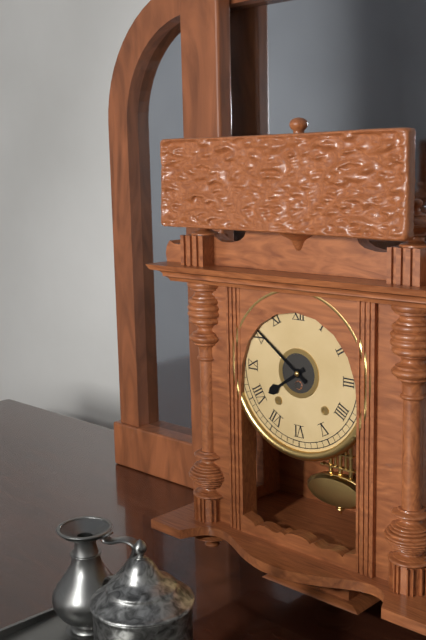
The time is {"hour": 7, "minute": 51}
